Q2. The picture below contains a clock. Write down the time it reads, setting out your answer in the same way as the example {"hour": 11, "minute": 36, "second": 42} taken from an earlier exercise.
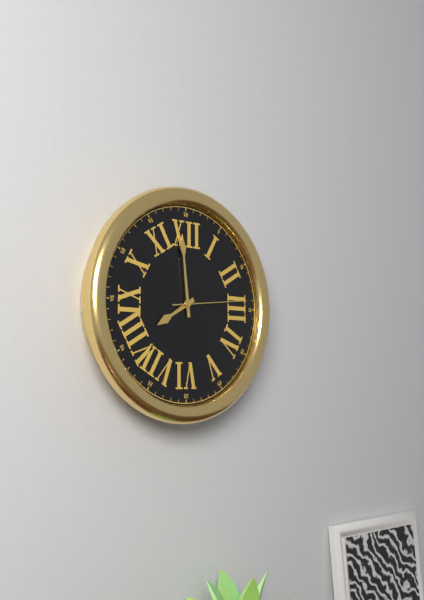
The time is {"hour": 7, "minute": 59, "second": 14}
